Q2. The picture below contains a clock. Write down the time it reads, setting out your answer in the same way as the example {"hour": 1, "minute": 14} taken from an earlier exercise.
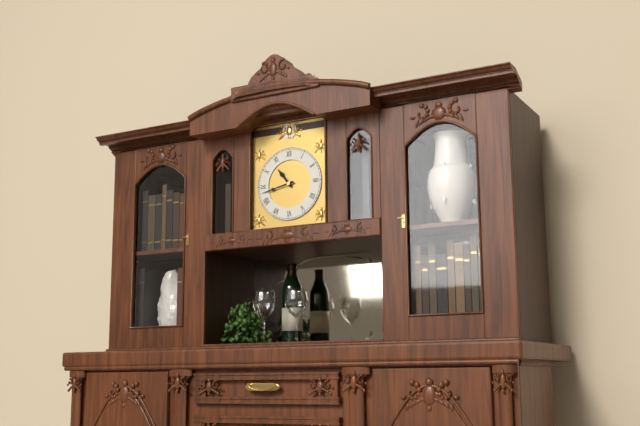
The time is {"hour": 10, "minute": 43}
